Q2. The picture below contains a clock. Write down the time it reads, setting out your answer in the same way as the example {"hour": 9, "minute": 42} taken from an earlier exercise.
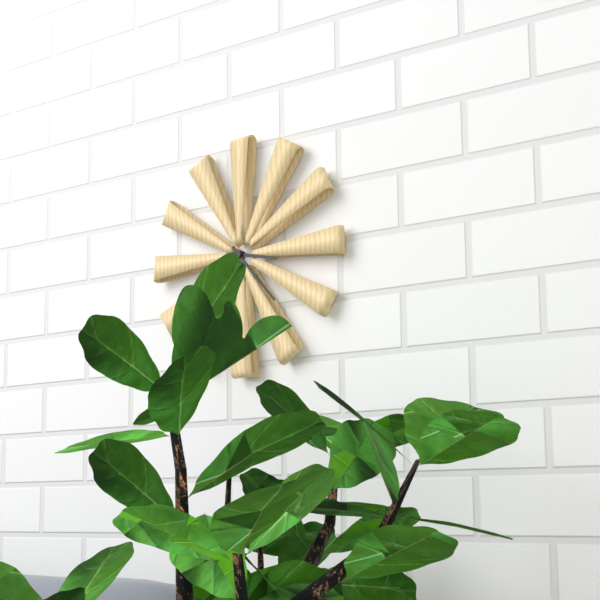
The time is {"hour": 3, "minute": 23}
